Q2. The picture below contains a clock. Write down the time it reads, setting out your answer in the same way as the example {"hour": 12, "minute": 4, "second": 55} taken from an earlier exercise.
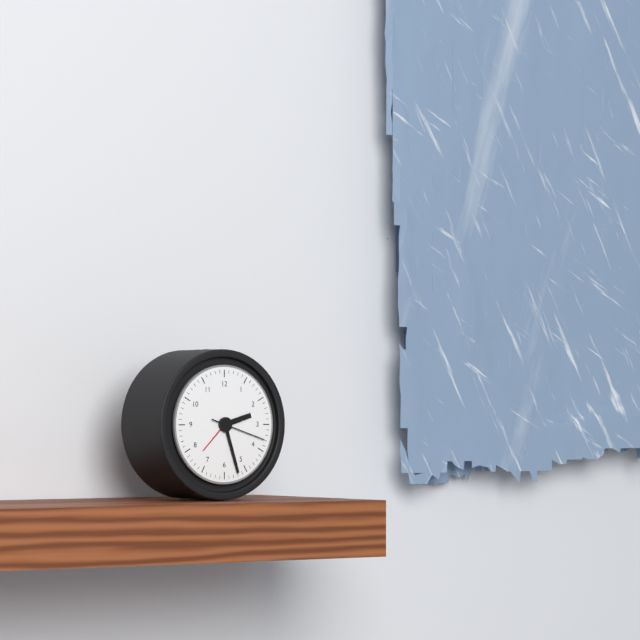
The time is {"hour": 2, "minute": 27, "second": 18}
